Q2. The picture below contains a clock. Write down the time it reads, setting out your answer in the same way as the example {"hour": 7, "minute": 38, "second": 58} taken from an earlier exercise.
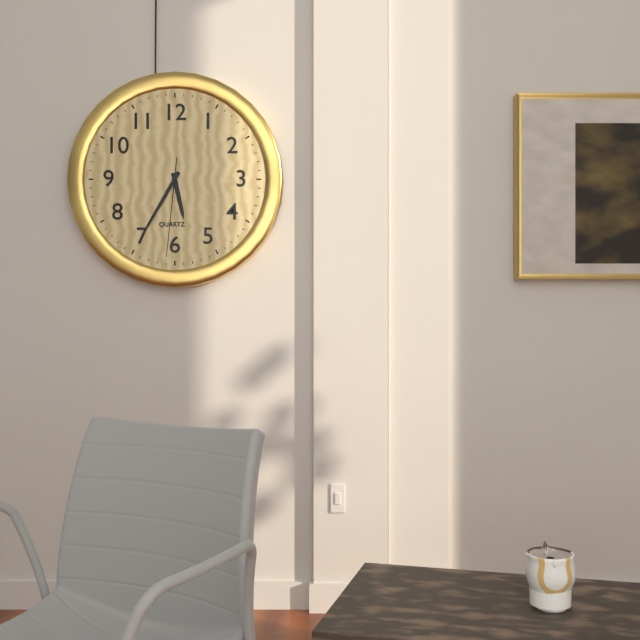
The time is {"hour": 5, "minute": 35, "second": 31}
